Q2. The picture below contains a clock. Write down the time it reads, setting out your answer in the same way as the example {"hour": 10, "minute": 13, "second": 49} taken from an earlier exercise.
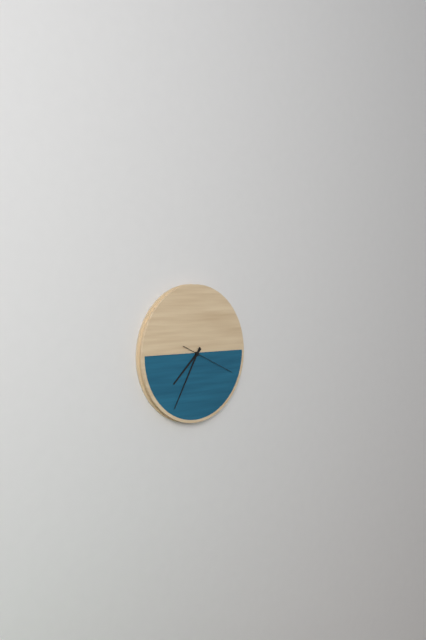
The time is {"hour": 7, "minute": 35, "second": 19}
